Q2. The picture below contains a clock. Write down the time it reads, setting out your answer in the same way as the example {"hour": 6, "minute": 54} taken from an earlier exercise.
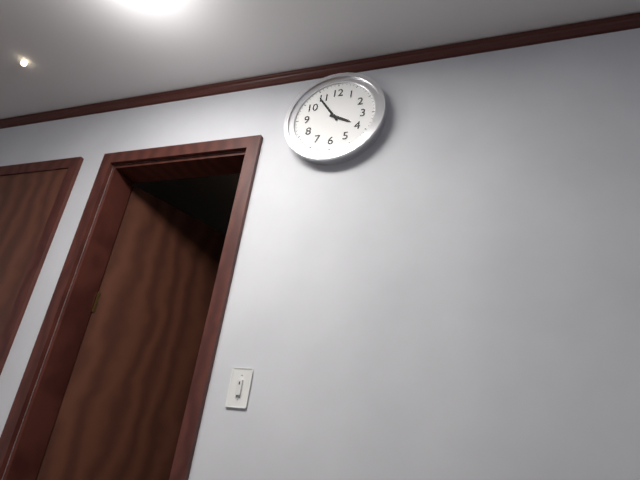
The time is {"hour": 3, "minute": 54}
